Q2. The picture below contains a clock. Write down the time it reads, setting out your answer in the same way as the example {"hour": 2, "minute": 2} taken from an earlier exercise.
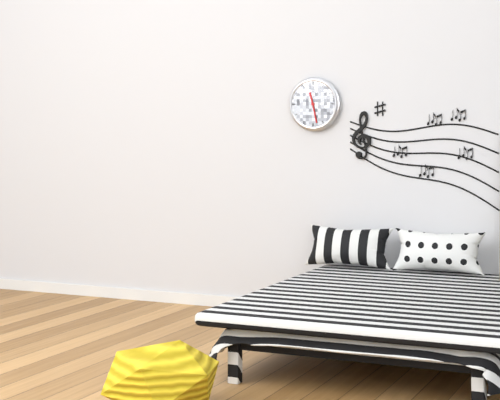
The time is {"hour": 11, "minute": 28}
